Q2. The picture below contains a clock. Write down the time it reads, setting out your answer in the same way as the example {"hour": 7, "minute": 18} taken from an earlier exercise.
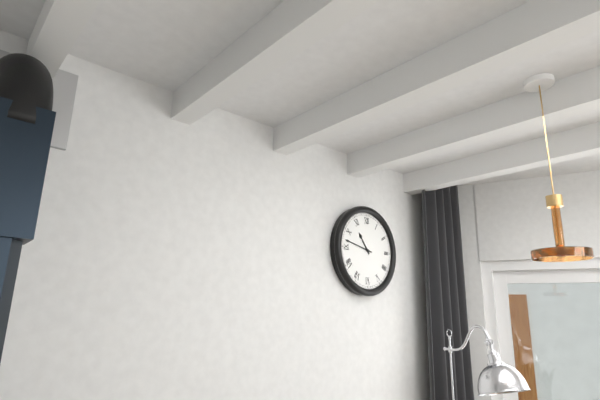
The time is {"hour": 10, "minute": 47}
